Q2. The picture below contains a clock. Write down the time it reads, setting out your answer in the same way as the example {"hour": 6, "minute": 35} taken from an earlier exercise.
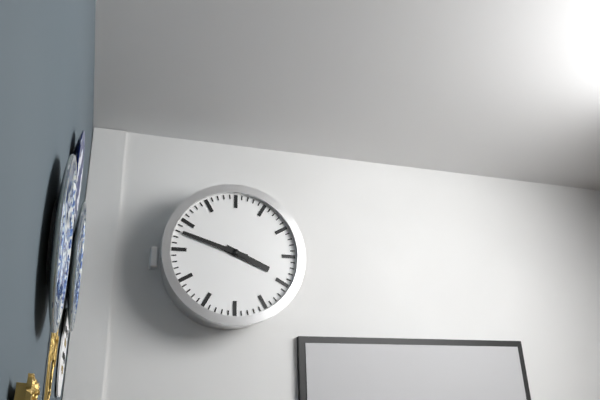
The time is {"hour": 3, "minute": 48}
